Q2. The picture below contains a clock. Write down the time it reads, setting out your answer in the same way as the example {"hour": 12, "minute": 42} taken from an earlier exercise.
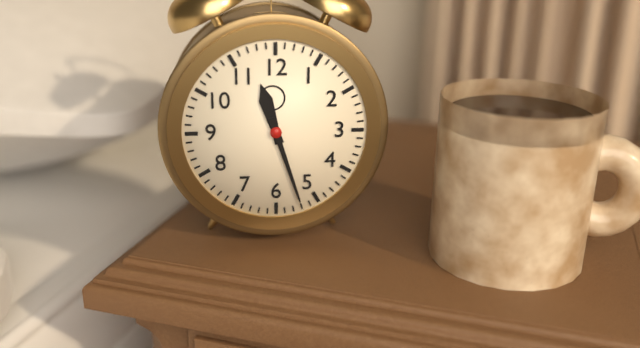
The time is {"hour": 11, "minute": 27}
